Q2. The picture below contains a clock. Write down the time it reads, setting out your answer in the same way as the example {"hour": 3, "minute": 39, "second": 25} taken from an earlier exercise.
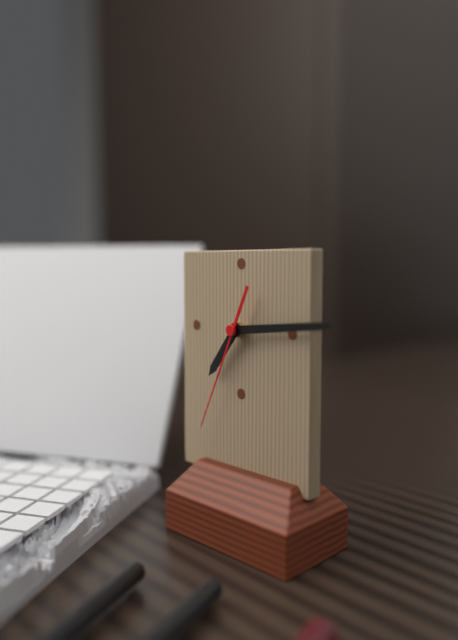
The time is {"hour": 7, "minute": 14, "second": 34}
